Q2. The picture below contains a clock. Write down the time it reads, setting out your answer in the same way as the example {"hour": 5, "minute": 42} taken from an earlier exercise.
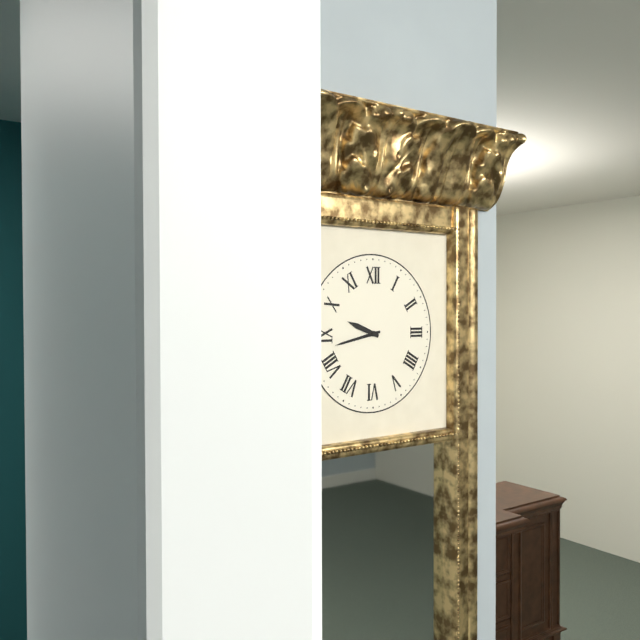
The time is {"hour": 9, "minute": 43}
